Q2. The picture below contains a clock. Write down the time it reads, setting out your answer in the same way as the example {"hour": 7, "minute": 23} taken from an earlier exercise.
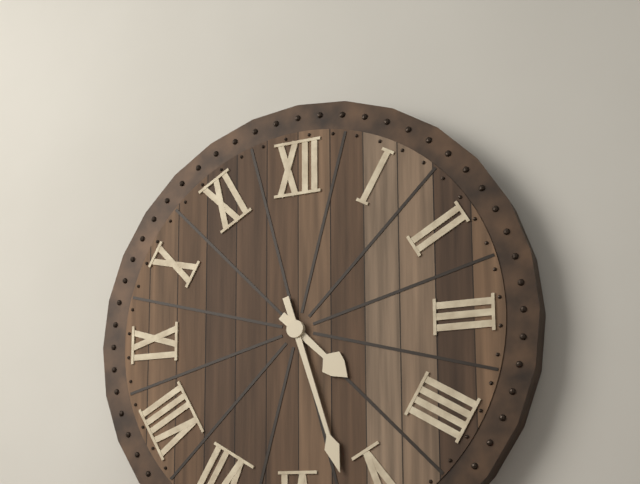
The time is {"hour": 4, "minute": 27}
